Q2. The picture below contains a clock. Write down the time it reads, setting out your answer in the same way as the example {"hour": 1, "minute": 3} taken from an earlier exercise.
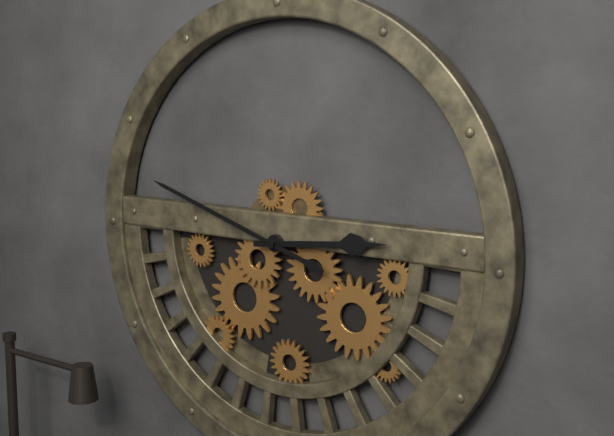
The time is {"hour": 2, "minute": 48}
